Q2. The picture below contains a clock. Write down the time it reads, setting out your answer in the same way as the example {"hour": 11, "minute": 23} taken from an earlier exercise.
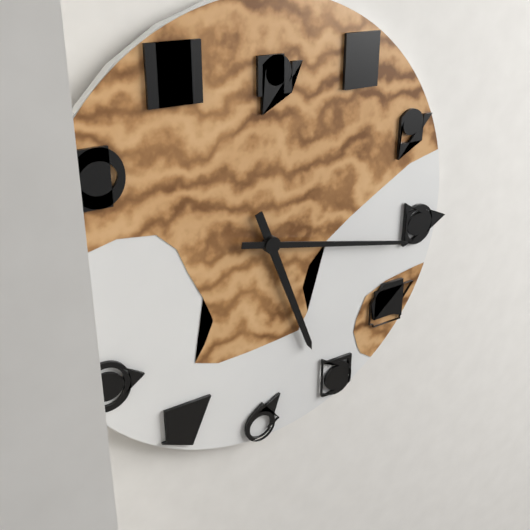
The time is {"hour": 5, "minute": 17}
